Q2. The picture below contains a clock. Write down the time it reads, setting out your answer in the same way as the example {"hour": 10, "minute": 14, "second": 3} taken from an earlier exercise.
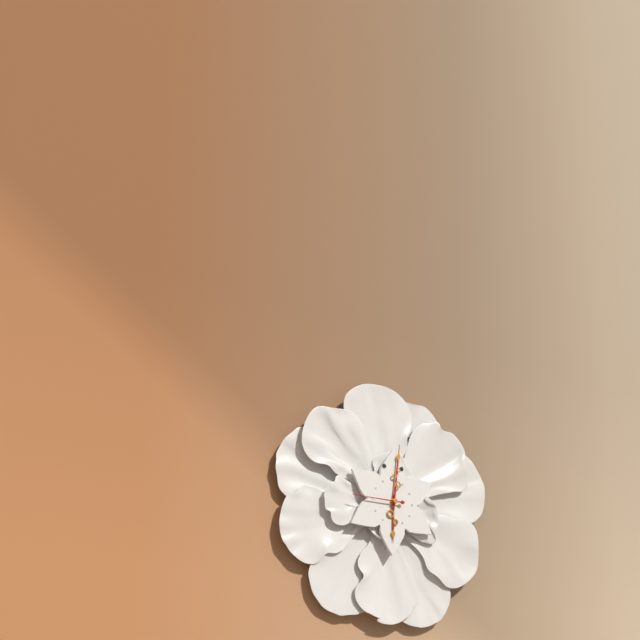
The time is {"hour": 6, "minute": 1, "second": 45}
